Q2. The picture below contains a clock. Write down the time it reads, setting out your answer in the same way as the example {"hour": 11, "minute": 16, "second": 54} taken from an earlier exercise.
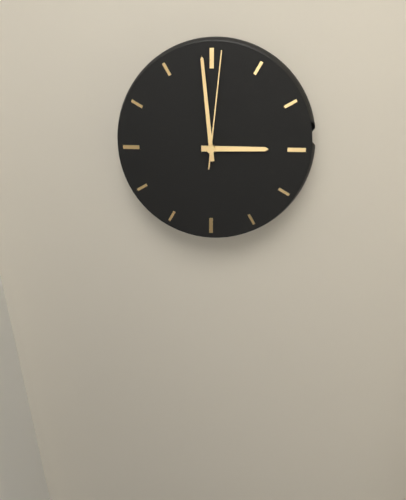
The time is {"hour": 2, "minute": 59, "second": 1}
